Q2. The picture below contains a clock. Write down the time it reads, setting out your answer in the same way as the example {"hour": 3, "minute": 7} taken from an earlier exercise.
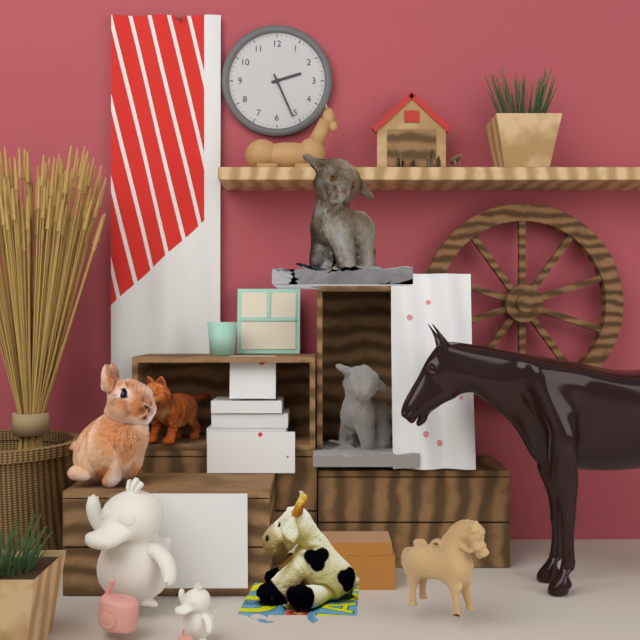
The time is {"hour": 2, "minute": 26}
